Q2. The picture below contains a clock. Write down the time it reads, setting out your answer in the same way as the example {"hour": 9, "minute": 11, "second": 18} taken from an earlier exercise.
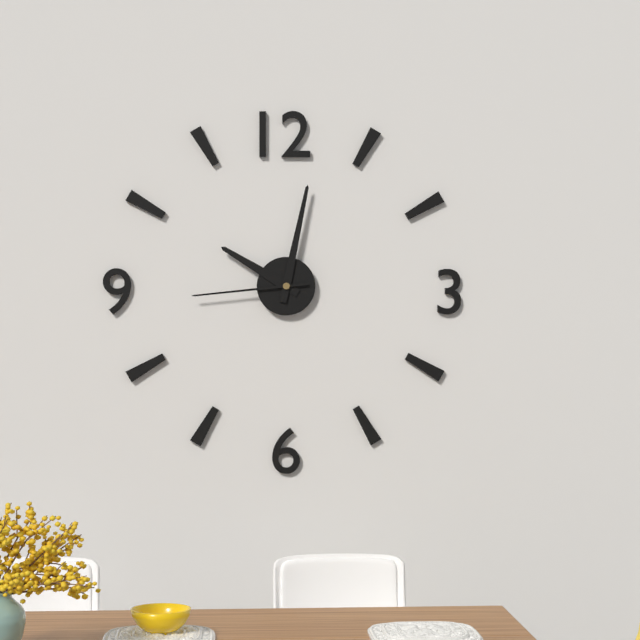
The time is {"hour": 10, "minute": 2, "second": 44}
